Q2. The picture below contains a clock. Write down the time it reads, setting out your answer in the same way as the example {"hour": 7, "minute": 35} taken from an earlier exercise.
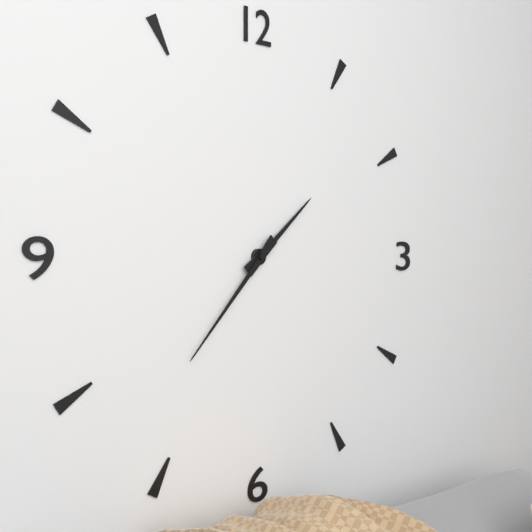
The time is {"hour": 1, "minute": 37}
